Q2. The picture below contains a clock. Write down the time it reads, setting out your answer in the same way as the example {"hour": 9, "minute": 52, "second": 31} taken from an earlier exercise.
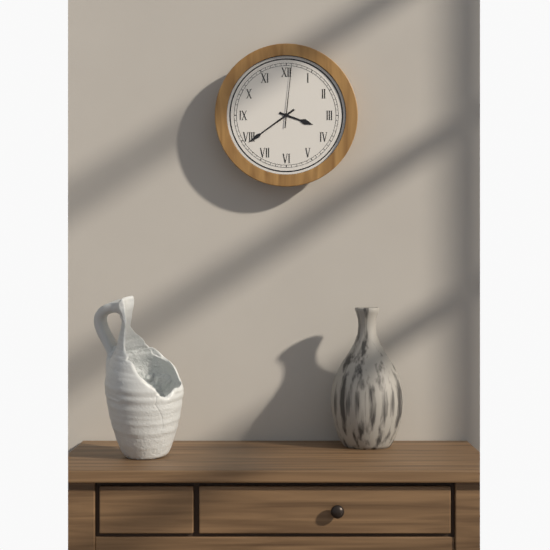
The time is {"hour": 3, "minute": 39, "second": 1}
